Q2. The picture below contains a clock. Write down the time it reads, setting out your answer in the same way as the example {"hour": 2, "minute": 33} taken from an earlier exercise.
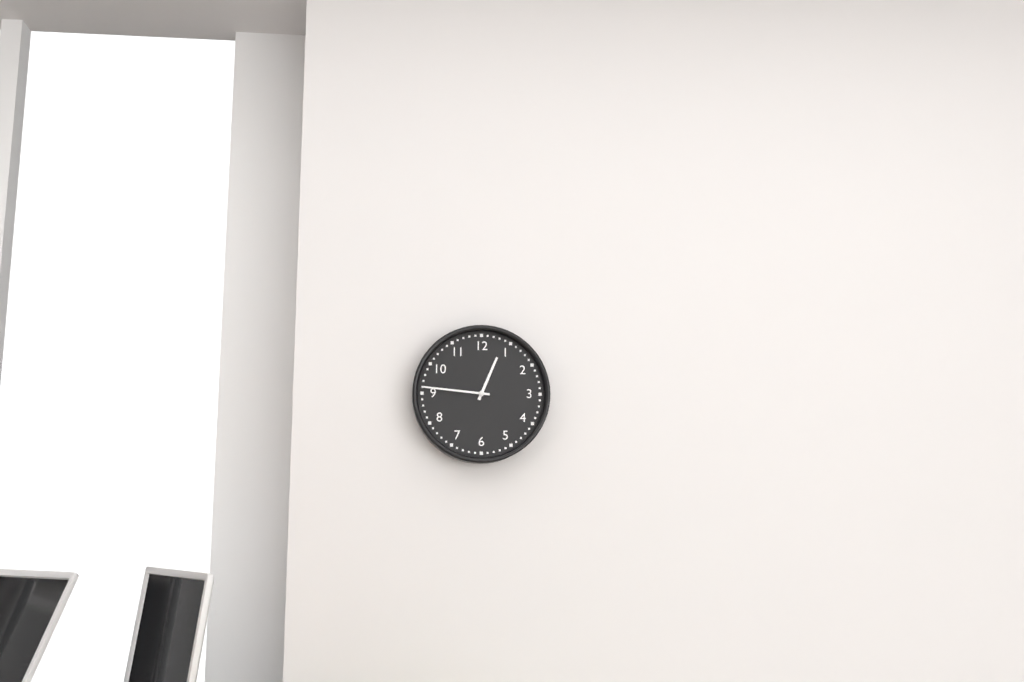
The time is {"hour": 12, "minute": 46}
